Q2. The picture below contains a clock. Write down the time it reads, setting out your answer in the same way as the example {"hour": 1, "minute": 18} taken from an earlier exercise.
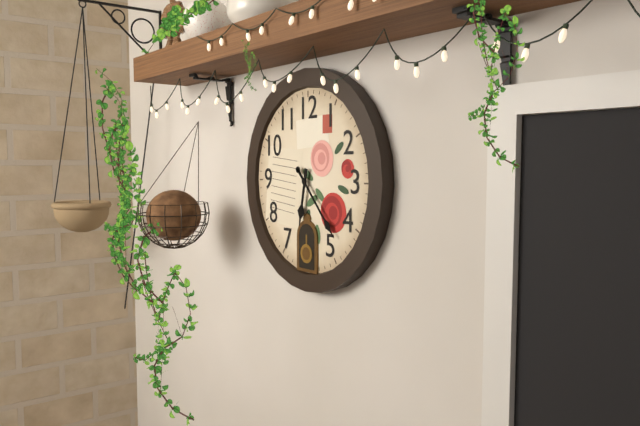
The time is {"hour": 6, "minute": 23}
